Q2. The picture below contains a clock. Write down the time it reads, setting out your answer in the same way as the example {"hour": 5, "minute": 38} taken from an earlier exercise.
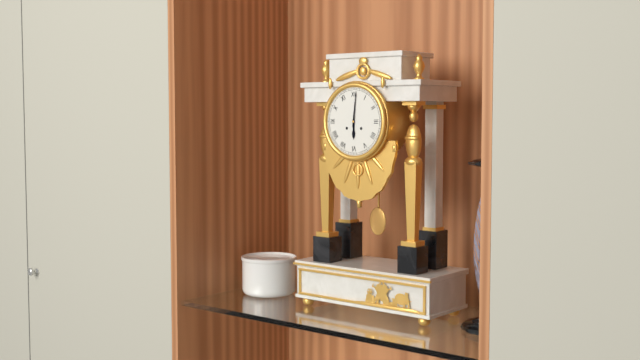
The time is {"hour": 6, "minute": 1}
